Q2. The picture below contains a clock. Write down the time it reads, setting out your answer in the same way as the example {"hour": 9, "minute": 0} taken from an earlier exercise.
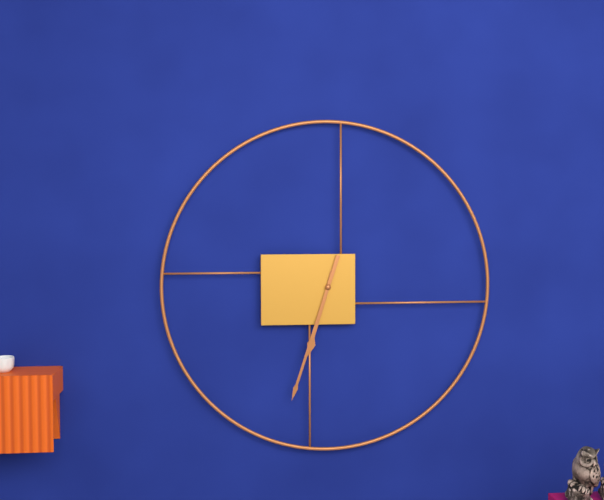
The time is {"hour": 6, "minute": 33}
